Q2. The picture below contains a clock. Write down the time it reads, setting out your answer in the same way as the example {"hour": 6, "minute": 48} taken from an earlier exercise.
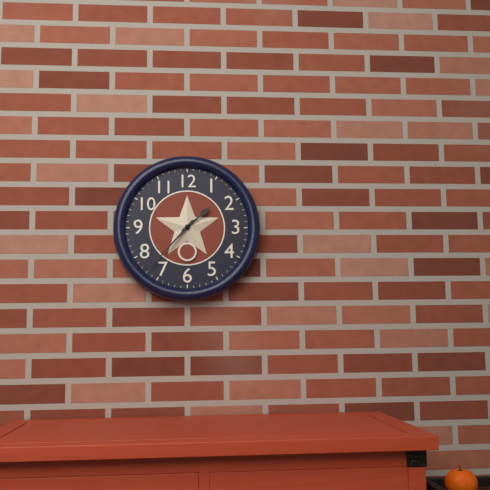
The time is {"hour": 1, "minute": 37}
